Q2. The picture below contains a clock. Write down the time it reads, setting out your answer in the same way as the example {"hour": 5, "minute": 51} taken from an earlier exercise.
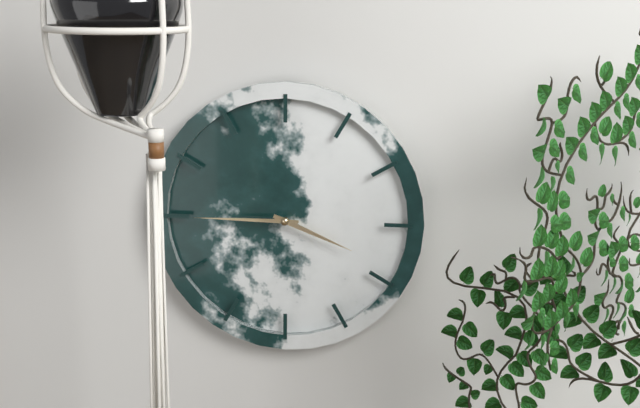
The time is {"hour": 3, "minute": 45}
